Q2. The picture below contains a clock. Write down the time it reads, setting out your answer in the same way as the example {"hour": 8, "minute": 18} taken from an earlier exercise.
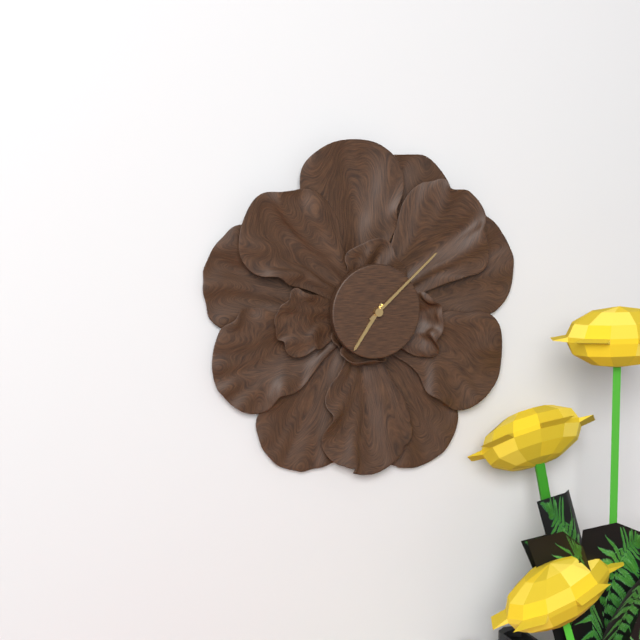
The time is {"hour": 7, "minute": 8}
